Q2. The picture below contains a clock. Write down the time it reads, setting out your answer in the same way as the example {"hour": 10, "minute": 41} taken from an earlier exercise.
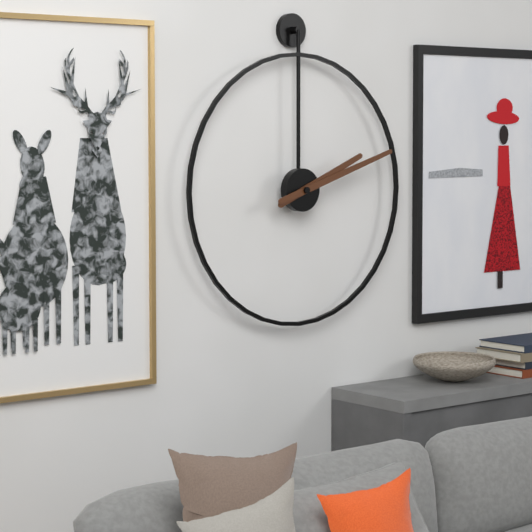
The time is {"hour": 2, "minute": 12}
